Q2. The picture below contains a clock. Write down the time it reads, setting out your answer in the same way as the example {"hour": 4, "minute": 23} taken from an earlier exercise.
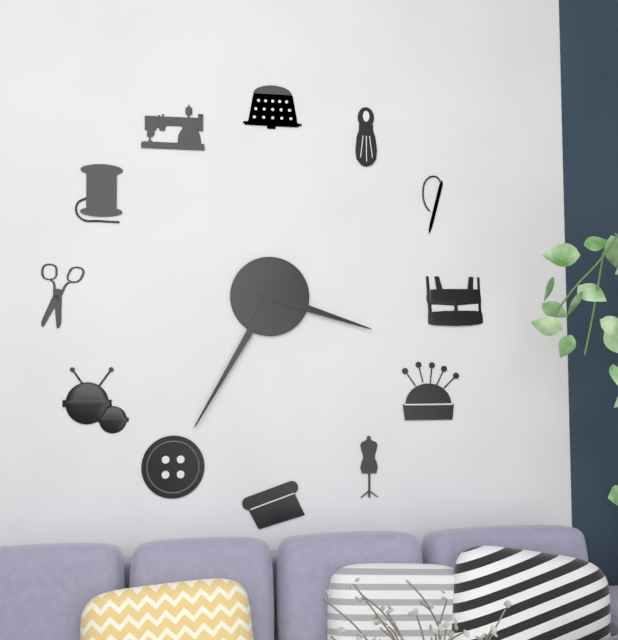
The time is {"hour": 3, "minute": 35}
